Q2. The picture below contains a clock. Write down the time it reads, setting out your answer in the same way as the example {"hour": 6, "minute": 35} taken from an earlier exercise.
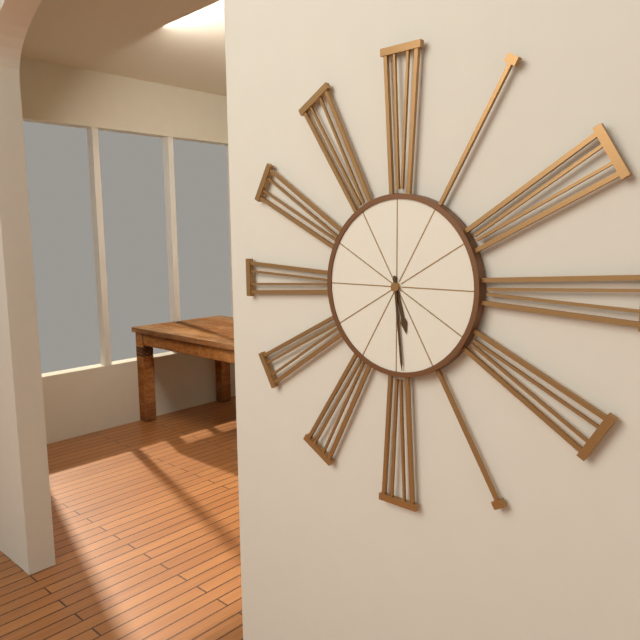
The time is {"hour": 5, "minute": 29}
